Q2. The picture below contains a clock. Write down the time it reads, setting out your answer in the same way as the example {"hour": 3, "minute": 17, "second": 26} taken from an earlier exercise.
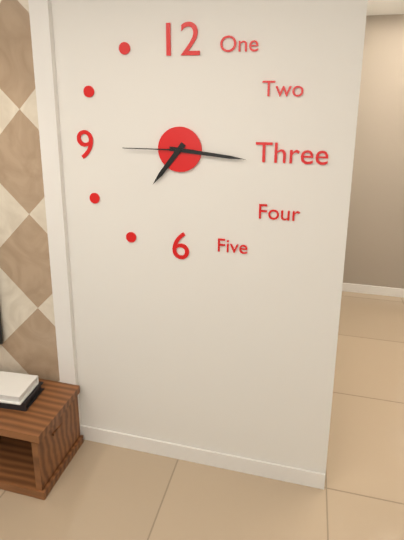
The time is {"hour": 7, "minute": 16, "second": 45}
